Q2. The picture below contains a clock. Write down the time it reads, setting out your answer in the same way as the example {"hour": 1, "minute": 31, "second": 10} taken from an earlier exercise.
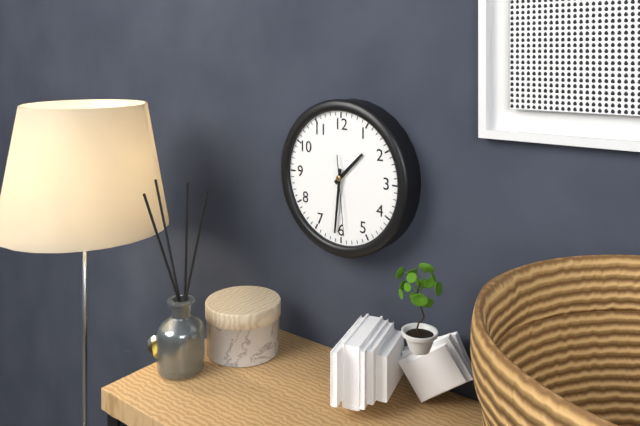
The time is {"hour": 1, "minute": 31, "second": 29}
